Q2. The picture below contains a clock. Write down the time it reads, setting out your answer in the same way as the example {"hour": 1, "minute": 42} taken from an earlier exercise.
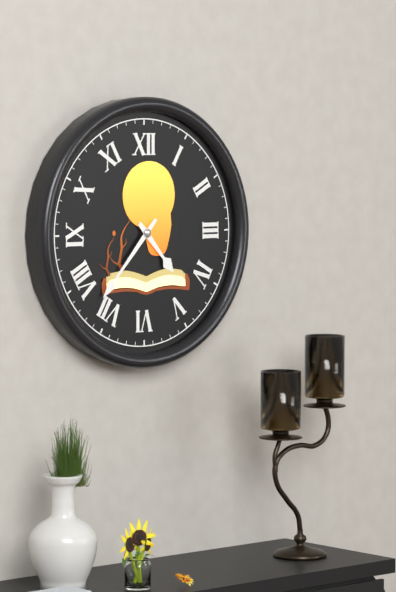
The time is {"hour": 4, "minute": 37}
